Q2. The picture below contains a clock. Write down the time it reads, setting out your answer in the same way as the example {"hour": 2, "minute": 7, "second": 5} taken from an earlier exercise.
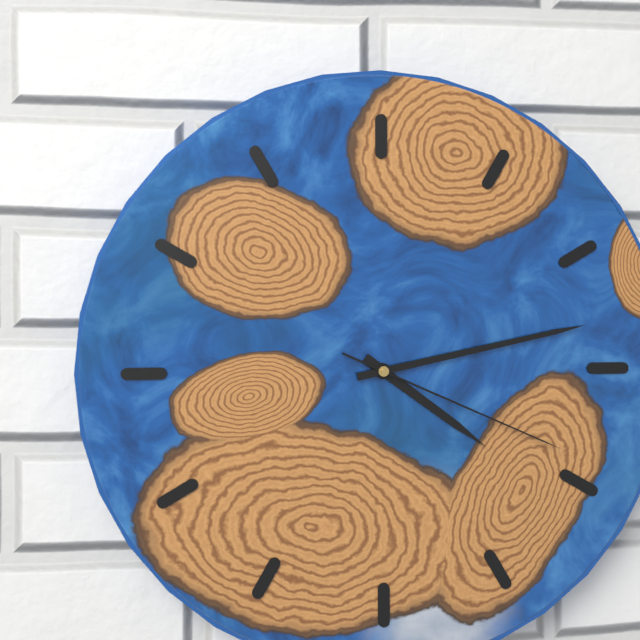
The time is {"hour": 4, "minute": 13, "second": 19}
